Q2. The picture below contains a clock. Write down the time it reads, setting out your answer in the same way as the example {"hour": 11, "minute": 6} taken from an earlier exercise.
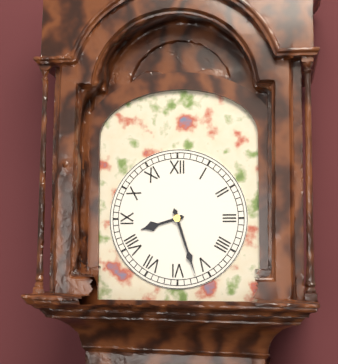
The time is {"hour": 8, "minute": 27}
